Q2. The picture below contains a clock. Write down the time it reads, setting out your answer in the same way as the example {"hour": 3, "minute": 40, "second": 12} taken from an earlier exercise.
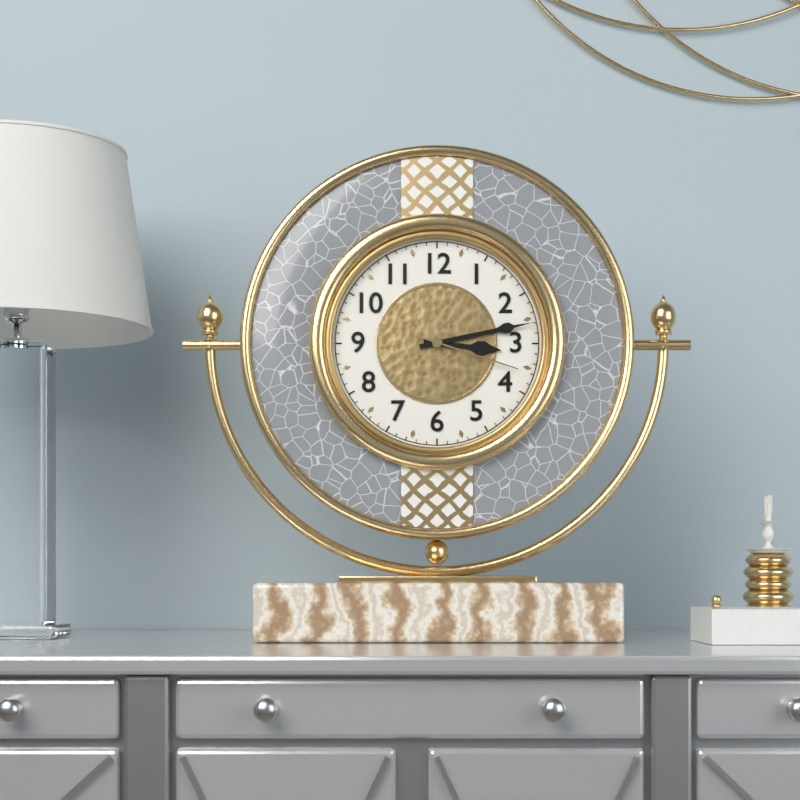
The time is {"hour": 3, "minute": 13, "second": 18}
